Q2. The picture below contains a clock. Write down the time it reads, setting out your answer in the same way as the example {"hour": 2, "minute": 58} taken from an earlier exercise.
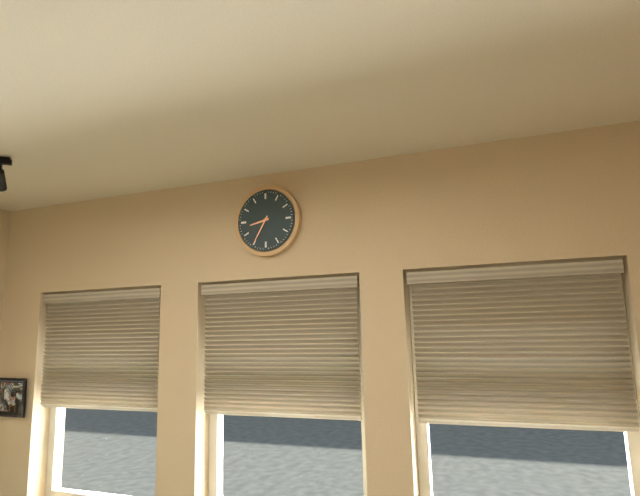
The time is {"hour": 8, "minute": 35}
